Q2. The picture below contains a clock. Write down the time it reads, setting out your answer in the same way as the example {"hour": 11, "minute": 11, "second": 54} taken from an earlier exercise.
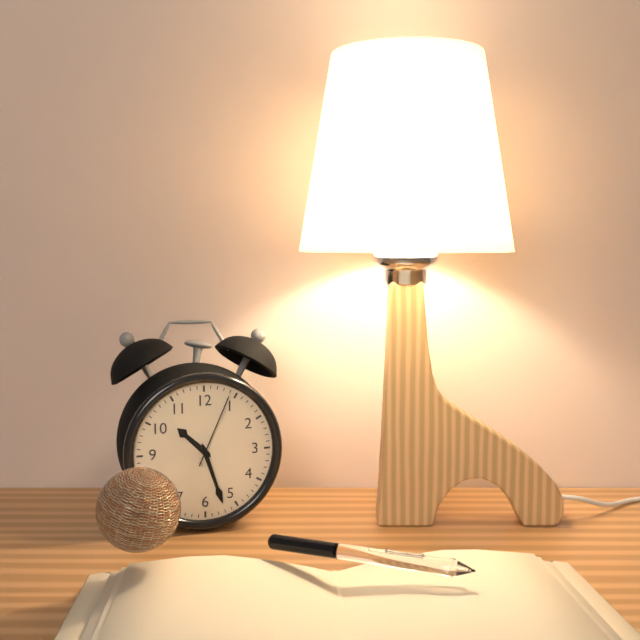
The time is {"hour": 10, "minute": 27, "second": 4}
